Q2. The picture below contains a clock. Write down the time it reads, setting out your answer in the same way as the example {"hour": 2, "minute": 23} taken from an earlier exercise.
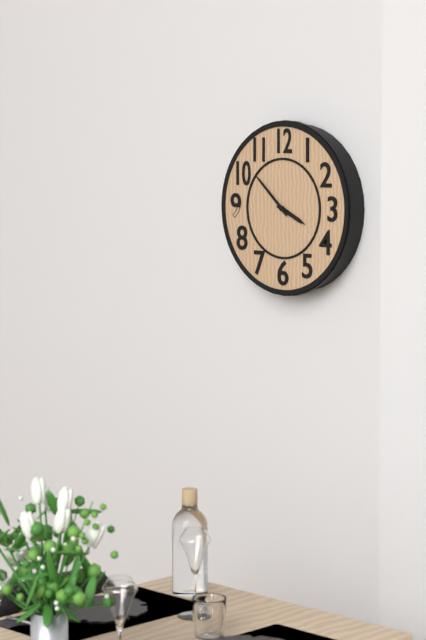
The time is {"hour": 3, "minute": 52}
